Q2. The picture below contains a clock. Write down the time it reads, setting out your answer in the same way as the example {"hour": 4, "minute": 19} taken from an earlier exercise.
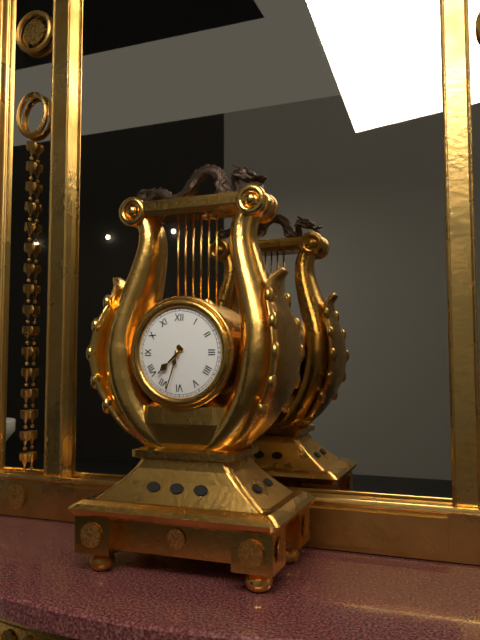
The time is {"hour": 7, "minute": 33}
